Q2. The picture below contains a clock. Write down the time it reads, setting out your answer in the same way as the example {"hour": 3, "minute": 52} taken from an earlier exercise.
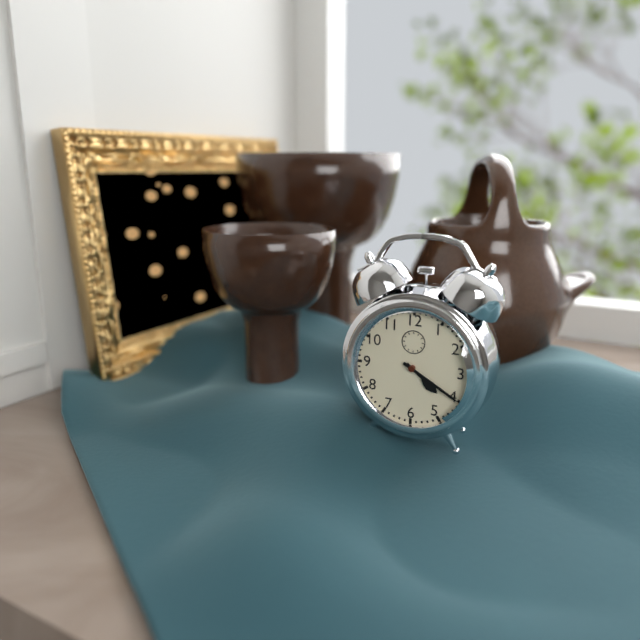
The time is {"hour": 4, "minute": 20}
